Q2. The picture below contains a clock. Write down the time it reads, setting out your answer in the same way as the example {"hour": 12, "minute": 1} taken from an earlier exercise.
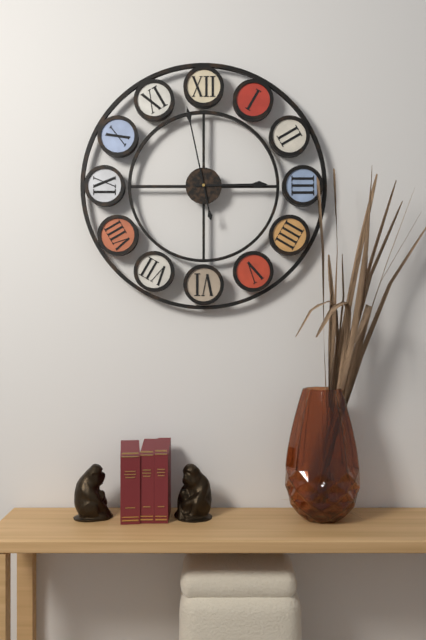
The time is {"hour": 2, "minute": 58}
